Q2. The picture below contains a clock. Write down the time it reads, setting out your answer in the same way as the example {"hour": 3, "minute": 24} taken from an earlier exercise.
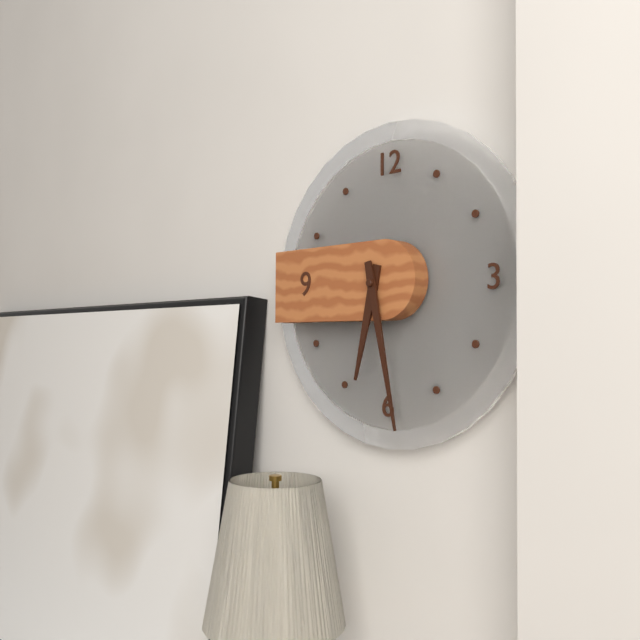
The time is {"hour": 6, "minute": 28}
